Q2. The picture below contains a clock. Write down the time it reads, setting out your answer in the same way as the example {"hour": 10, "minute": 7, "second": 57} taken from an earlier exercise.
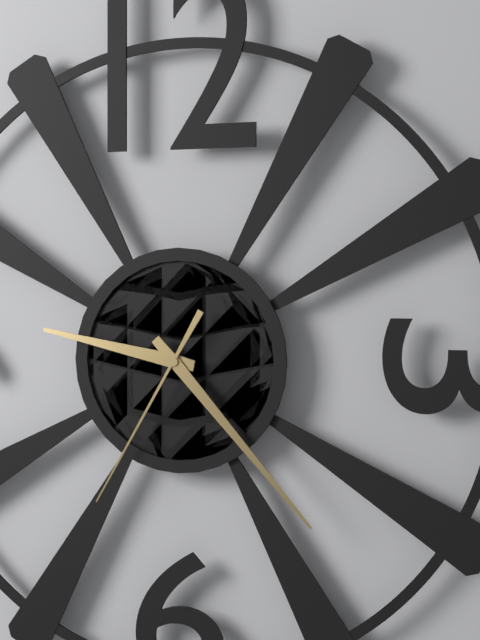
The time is {"hour": 9, "minute": 23, "second": 35}
